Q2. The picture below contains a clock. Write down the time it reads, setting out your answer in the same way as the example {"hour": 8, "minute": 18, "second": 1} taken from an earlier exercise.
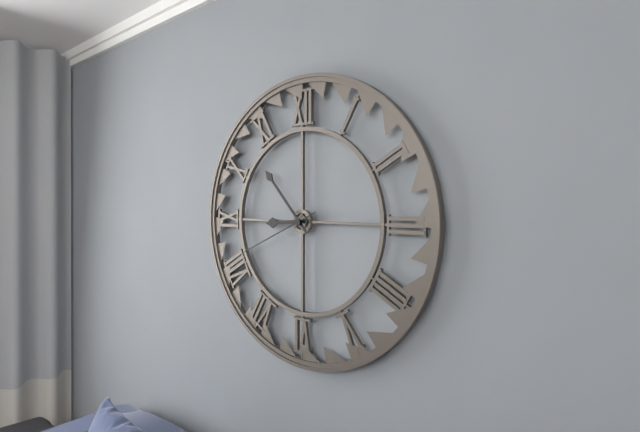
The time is {"hour": 8, "minute": 53, "second": 41}
